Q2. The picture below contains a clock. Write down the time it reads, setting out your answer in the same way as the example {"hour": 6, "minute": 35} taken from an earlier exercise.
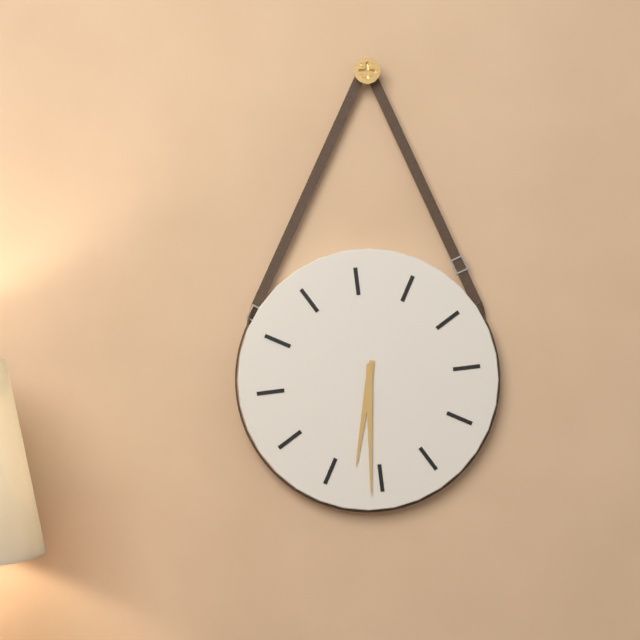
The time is {"hour": 6, "minute": 31}
